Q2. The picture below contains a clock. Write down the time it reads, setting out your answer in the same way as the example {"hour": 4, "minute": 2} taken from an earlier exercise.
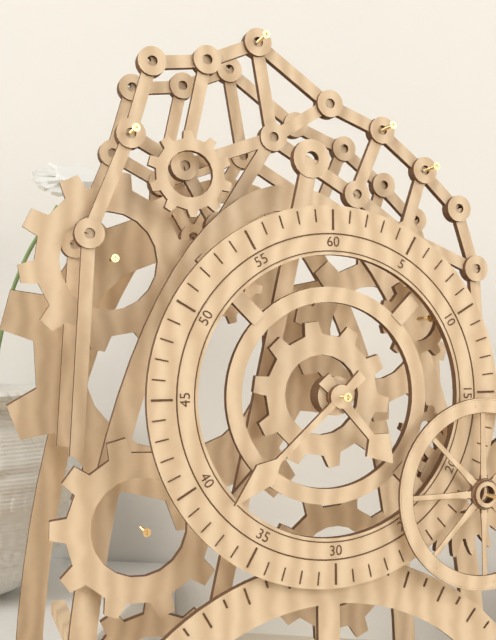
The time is {"hour": 4, "minute": 38}
